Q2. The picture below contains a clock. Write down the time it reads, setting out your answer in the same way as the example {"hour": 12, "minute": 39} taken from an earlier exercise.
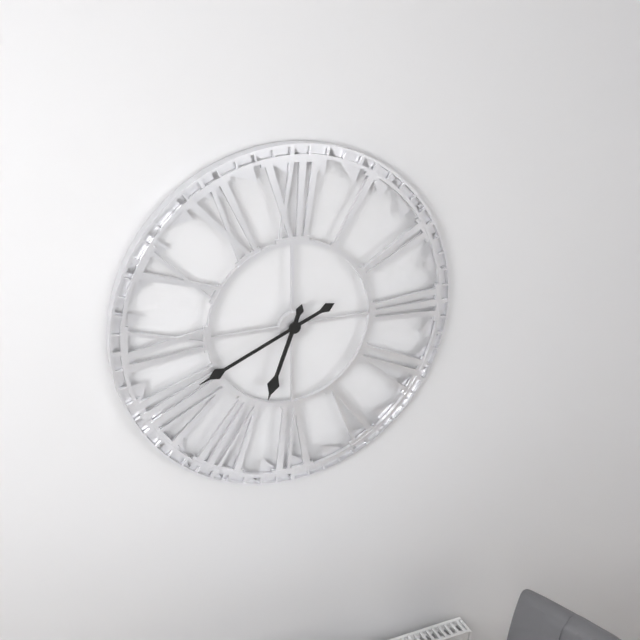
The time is {"hour": 6, "minute": 41}
